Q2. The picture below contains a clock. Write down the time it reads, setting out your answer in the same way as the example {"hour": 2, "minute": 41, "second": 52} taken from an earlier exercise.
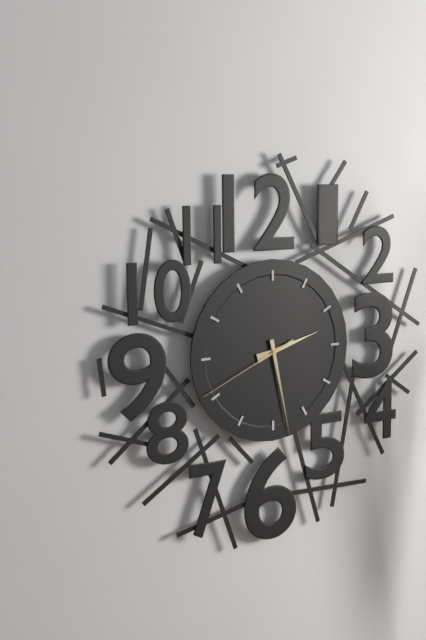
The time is {"hour": 2, "minute": 28, "second": 41}
